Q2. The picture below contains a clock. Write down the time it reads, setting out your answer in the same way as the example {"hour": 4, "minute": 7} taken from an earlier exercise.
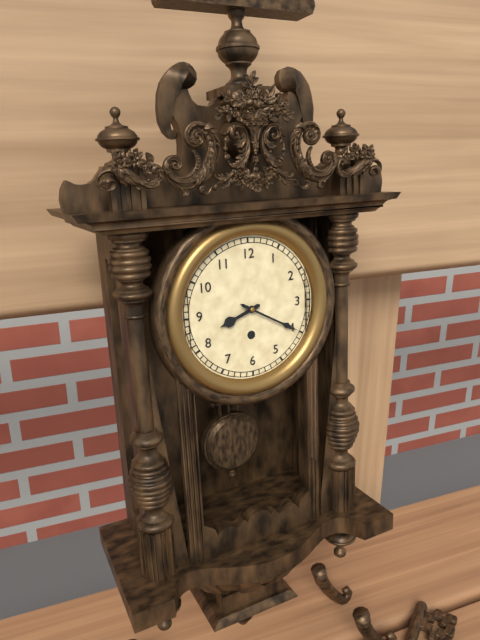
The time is {"hour": 8, "minute": 20}
